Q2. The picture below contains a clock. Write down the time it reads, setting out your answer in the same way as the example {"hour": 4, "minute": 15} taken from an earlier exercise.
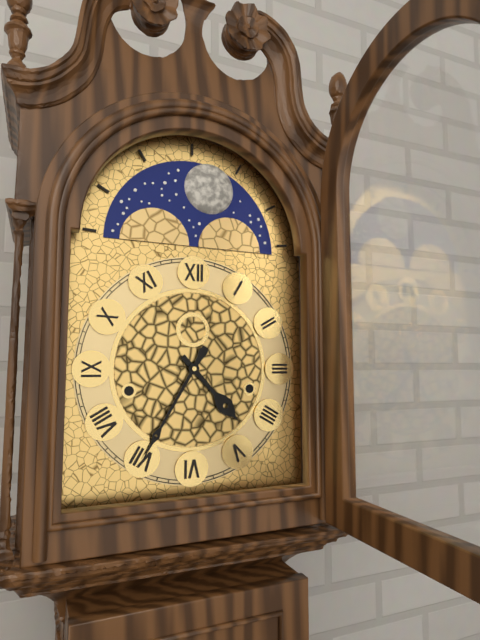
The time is {"hour": 4, "minute": 35}
